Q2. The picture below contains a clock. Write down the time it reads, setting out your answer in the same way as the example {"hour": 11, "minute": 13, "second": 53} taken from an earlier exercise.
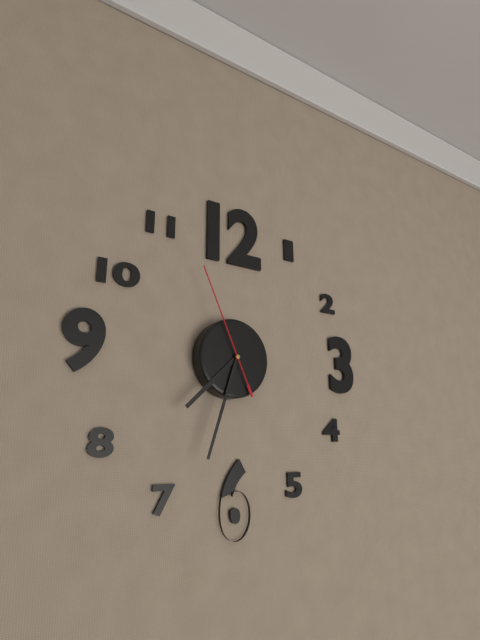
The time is {"hour": 7, "minute": 33, "second": 56}
